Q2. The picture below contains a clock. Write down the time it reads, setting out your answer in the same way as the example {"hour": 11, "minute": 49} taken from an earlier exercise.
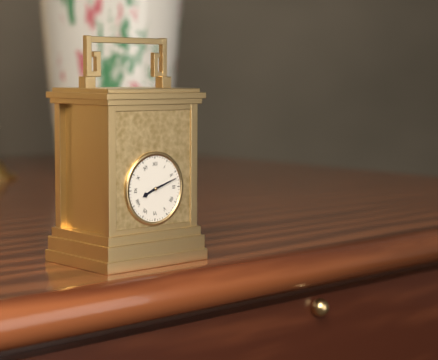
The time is {"hour": 8, "minute": 12}
